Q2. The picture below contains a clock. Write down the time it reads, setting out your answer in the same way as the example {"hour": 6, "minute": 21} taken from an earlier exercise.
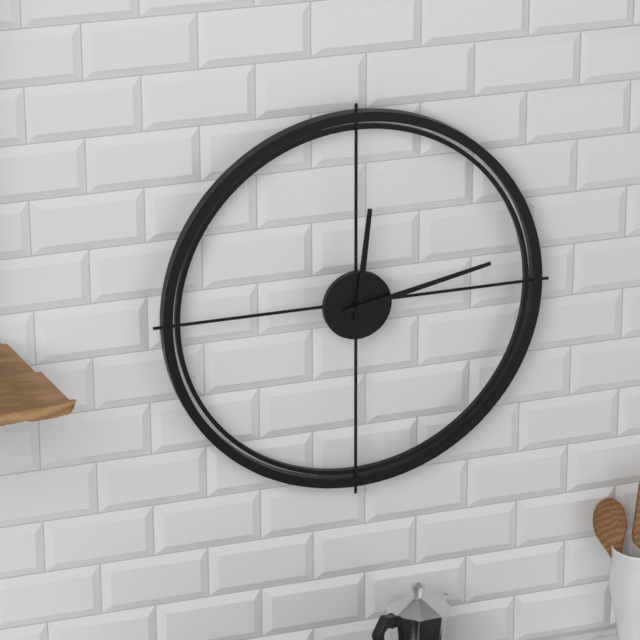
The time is {"hour": 12, "minute": 13}
